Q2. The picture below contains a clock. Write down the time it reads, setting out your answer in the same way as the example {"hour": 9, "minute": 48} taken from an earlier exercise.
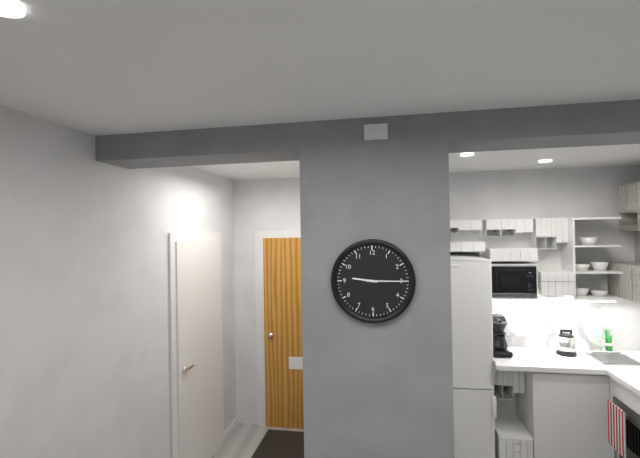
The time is {"hour": 9, "minute": 15}
